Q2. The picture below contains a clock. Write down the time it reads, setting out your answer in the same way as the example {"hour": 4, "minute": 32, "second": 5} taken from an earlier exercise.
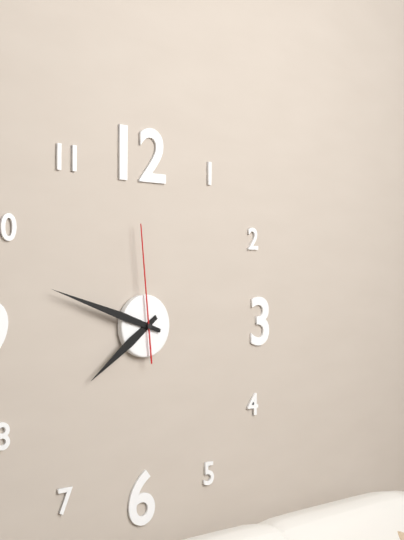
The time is {"hour": 7, "minute": 48, "second": 59}
